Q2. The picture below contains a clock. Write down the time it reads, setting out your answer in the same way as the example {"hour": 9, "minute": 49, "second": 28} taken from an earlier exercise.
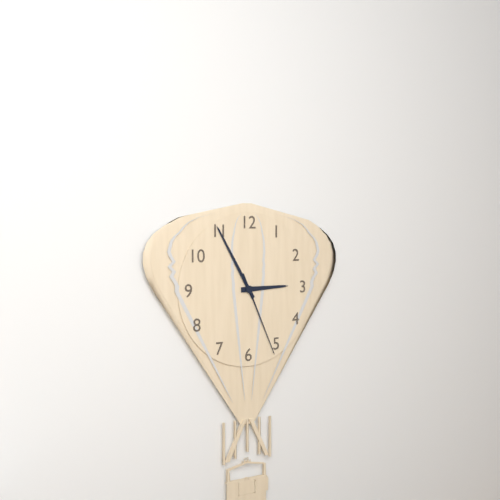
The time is {"hour": 2, "minute": 55, "second": 26}
